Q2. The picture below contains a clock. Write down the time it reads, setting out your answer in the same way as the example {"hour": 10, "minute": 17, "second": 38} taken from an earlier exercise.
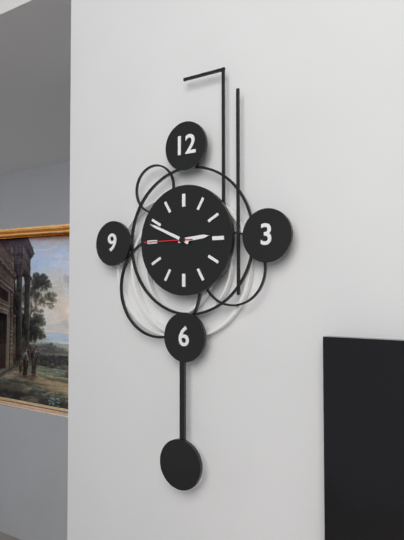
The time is {"hour": 2, "minute": 49, "second": 45}
